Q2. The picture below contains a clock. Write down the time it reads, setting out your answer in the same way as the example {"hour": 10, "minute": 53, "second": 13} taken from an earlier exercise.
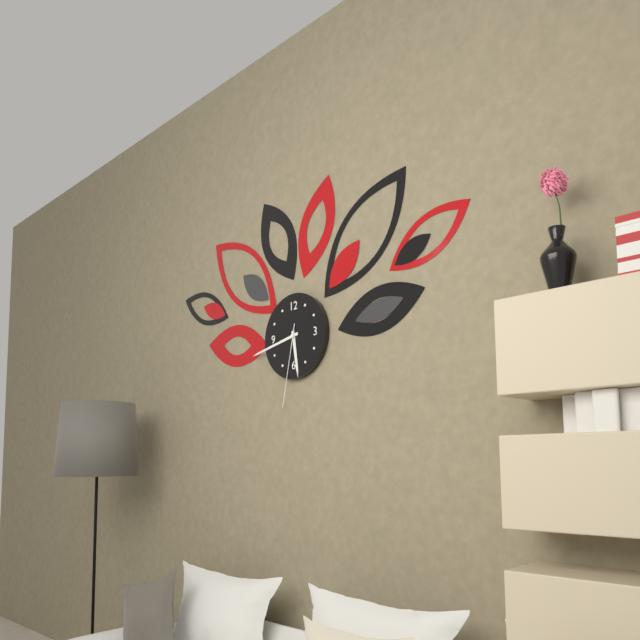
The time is {"hour": 5, "minute": 43, "second": 32}
